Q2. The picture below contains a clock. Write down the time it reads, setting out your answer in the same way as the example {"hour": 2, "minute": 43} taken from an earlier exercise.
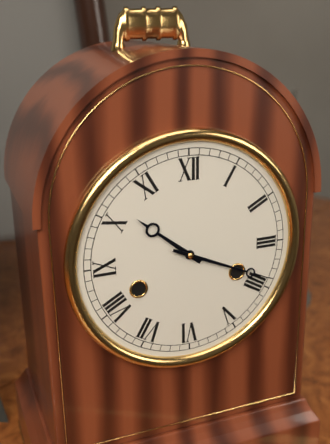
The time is {"hour": 10, "minute": 19}
